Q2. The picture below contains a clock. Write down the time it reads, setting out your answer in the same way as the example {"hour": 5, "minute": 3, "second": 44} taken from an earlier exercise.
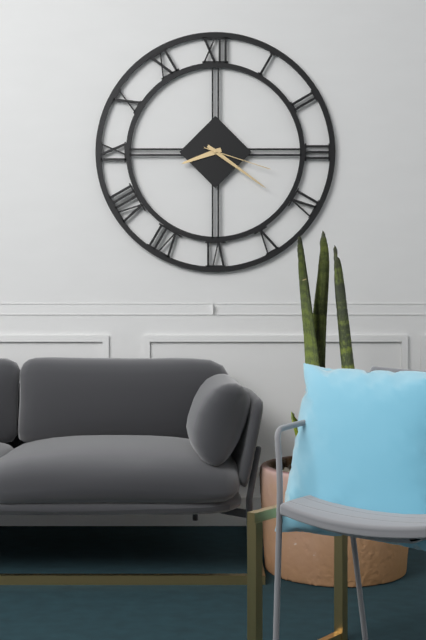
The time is {"hour": 8, "minute": 21, "second": 18}
